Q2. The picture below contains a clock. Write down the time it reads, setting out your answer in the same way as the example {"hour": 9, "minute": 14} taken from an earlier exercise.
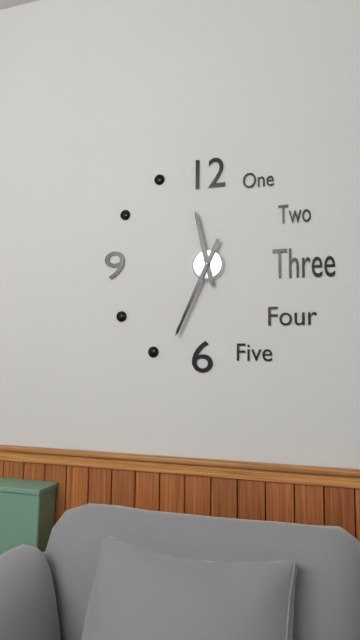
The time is {"hour": 11, "minute": 34}
